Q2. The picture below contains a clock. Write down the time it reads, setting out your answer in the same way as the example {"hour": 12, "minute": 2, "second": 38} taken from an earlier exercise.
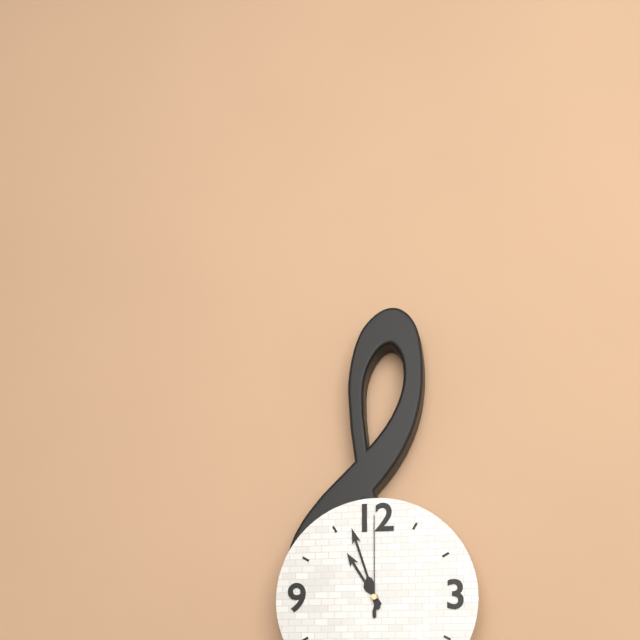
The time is {"hour": 10, "minute": 57, "second": 0}
